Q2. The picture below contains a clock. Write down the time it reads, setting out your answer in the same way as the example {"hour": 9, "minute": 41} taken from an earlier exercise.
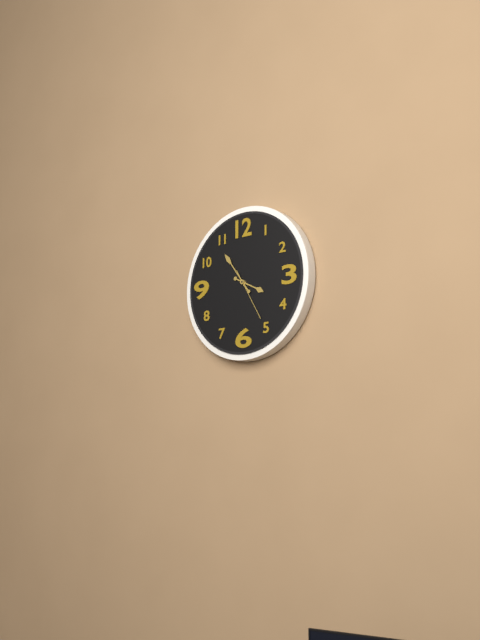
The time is {"hour": 3, "minute": 54}
